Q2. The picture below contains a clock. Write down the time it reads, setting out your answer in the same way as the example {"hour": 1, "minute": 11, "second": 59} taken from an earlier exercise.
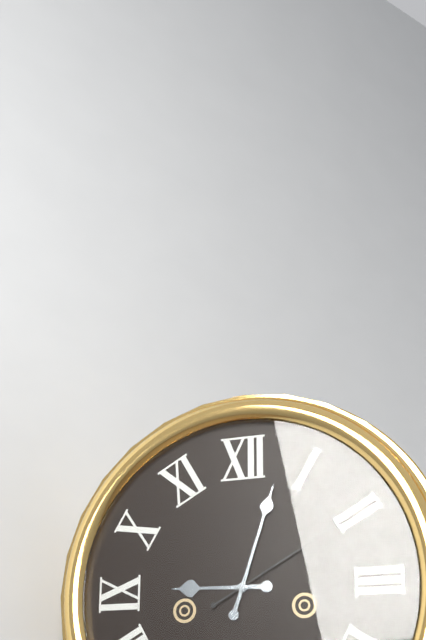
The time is {"hour": 9, "minute": 3, "second": 10}
